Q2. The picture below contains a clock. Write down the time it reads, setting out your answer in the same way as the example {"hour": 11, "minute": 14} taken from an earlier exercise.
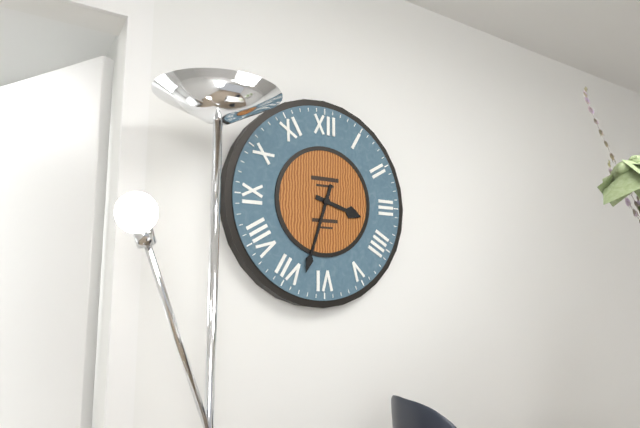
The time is {"hour": 3, "minute": 33}
